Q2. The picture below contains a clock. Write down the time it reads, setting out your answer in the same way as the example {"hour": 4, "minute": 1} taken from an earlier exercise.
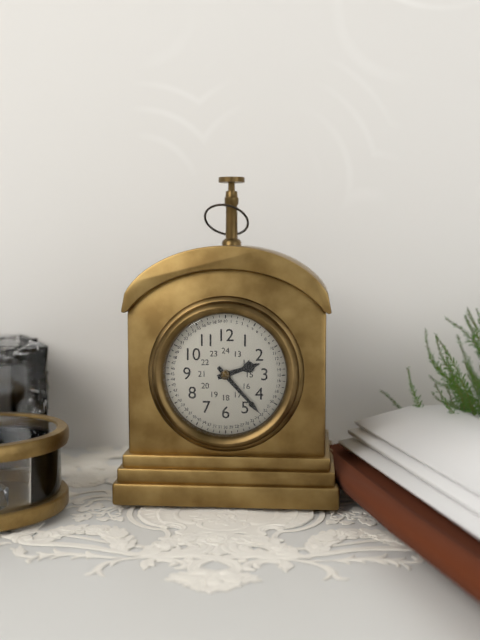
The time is {"hour": 2, "minute": 23}
